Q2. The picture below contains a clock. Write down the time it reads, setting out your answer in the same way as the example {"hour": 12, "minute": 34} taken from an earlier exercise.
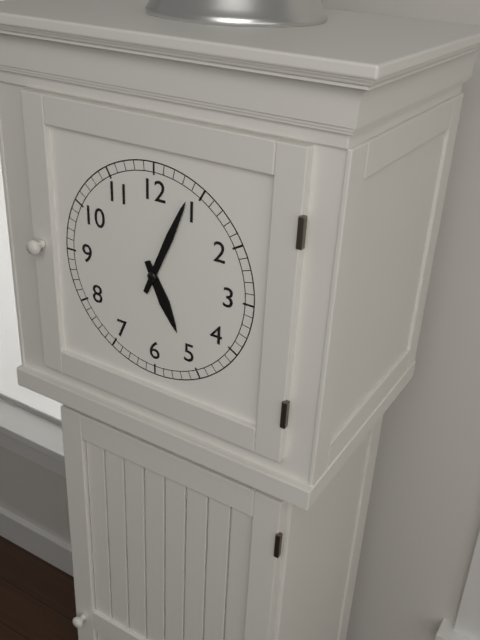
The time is {"hour": 5, "minute": 4}
